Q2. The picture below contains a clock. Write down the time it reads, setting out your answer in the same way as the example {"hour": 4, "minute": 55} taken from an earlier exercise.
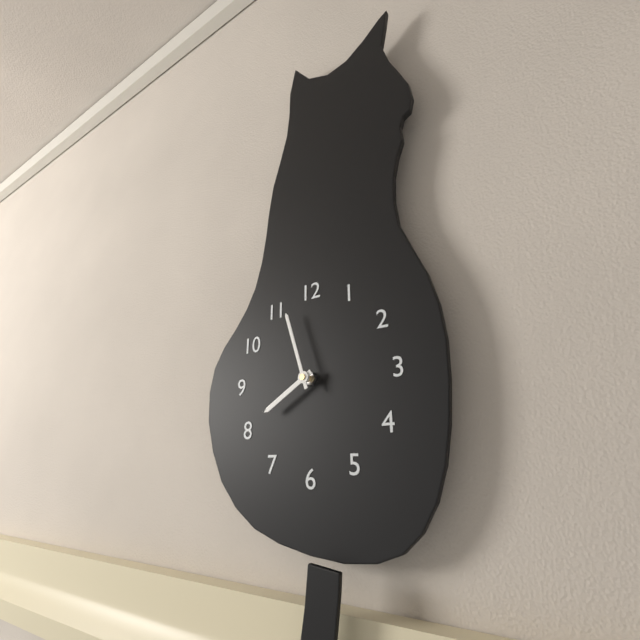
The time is {"hour": 7, "minute": 57}
